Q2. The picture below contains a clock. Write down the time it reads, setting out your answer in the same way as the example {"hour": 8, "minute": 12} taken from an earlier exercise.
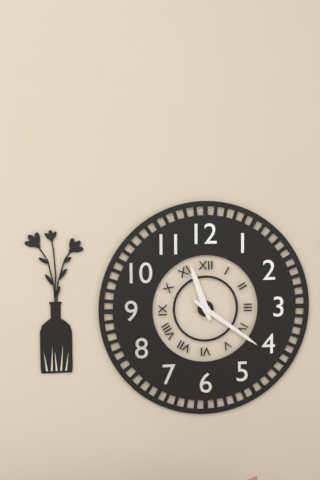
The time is {"hour": 11, "minute": 21}
